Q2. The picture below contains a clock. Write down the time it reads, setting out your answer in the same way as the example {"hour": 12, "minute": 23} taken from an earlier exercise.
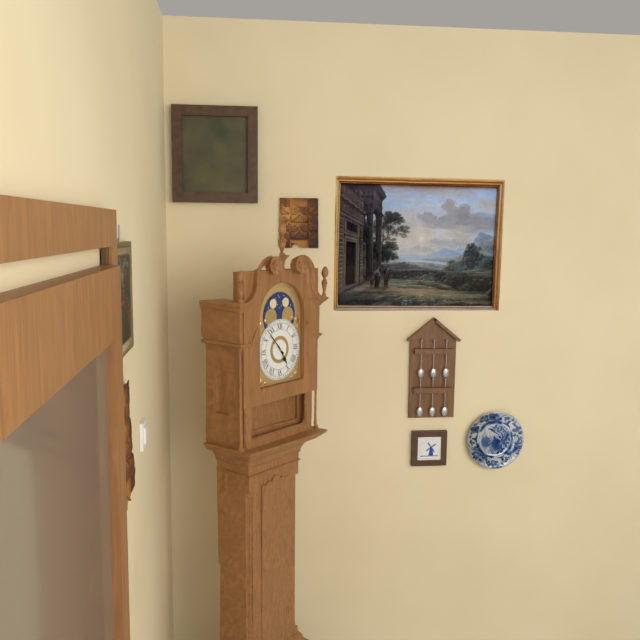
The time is {"hour": 4, "minute": 53}
